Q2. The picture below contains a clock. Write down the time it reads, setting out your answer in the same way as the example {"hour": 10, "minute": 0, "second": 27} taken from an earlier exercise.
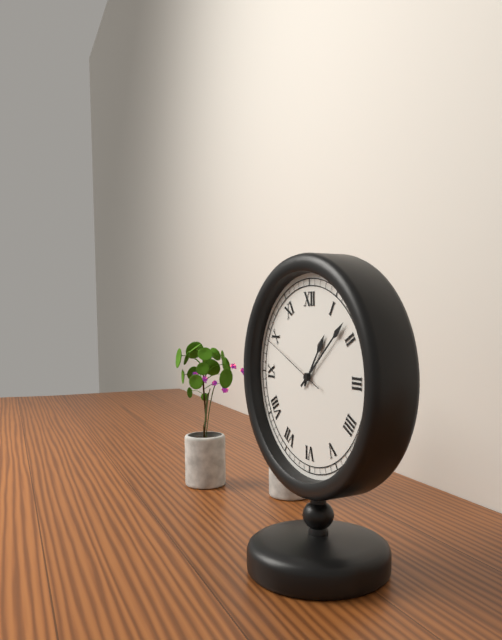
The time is {"hour": 1, "minute": 8, "second": 49}
